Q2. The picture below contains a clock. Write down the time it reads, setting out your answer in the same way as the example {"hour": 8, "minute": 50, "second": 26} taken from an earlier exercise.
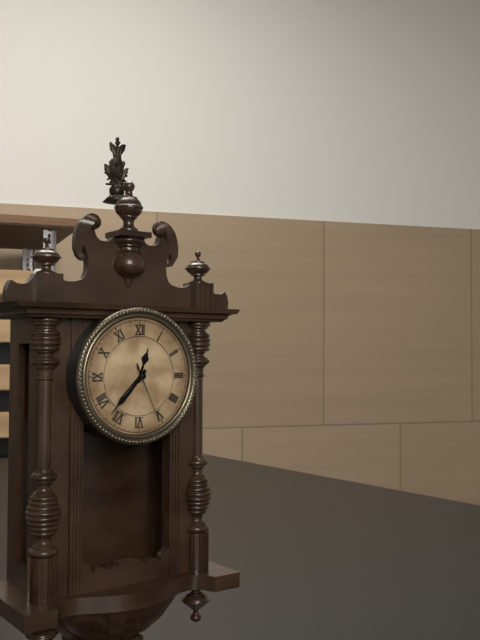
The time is {"hour": 12, "minute": 37, "second": 26}
